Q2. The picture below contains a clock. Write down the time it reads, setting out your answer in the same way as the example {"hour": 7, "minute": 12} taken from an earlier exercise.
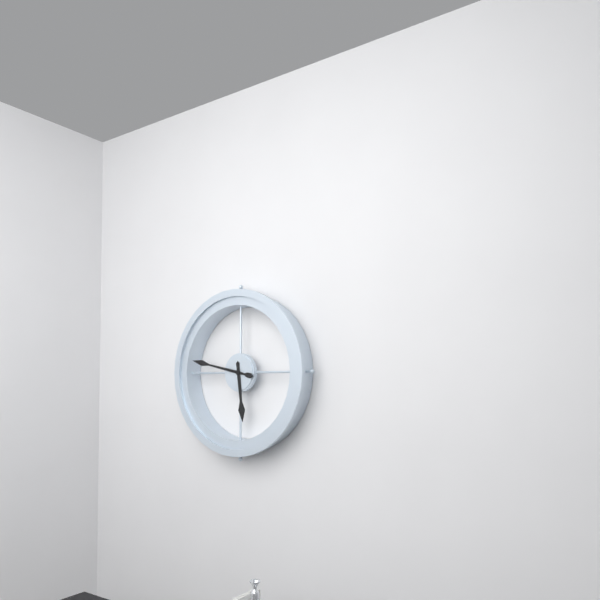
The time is {"hour": 5, "minute": 47}
